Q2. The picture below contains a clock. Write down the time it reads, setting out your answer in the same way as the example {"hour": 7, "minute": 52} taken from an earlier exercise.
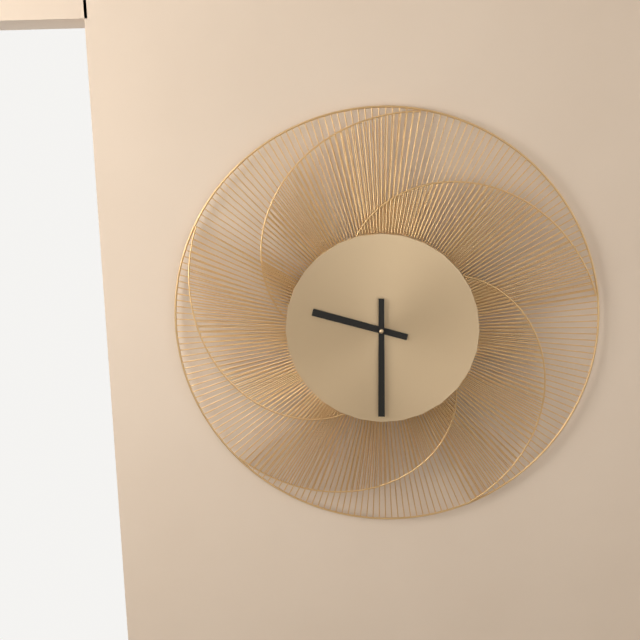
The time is {"hour": 9, "minute": 30}
